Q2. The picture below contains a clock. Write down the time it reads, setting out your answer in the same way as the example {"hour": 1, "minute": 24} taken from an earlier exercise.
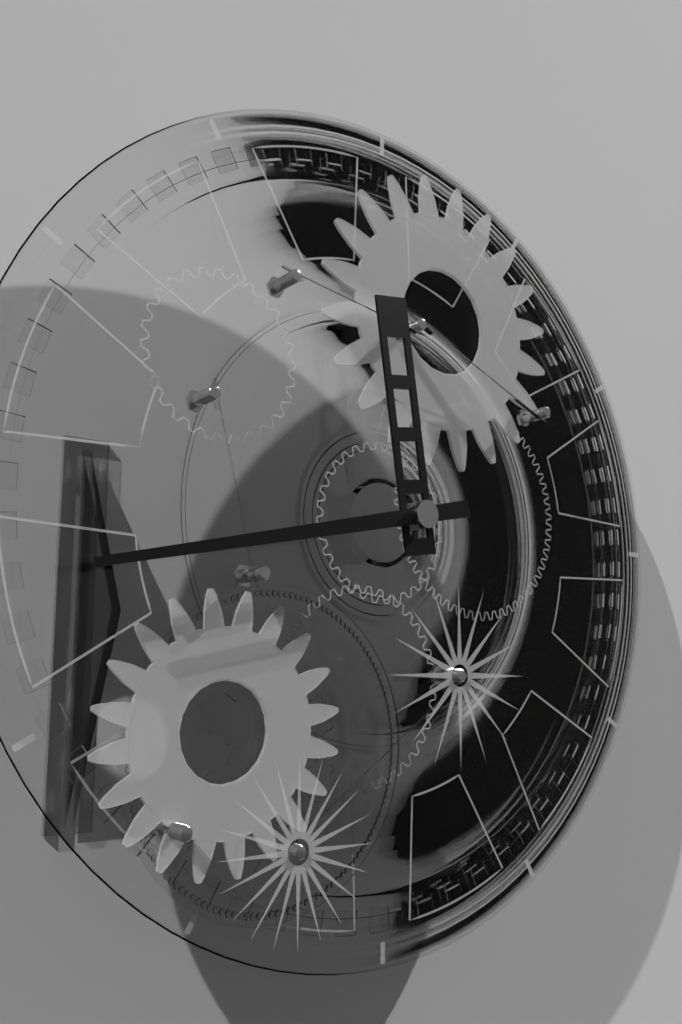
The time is {"hour": 11, "minute": 43}
